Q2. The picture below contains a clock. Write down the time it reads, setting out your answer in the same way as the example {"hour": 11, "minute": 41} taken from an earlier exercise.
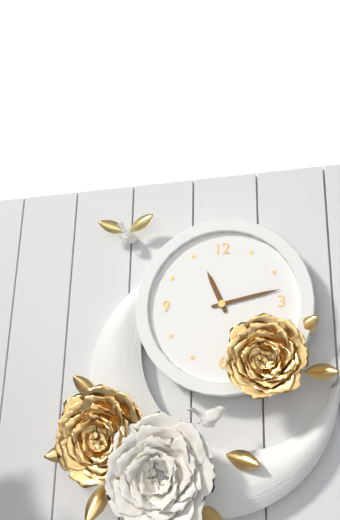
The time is {"hour": 11, "minute": 13}
